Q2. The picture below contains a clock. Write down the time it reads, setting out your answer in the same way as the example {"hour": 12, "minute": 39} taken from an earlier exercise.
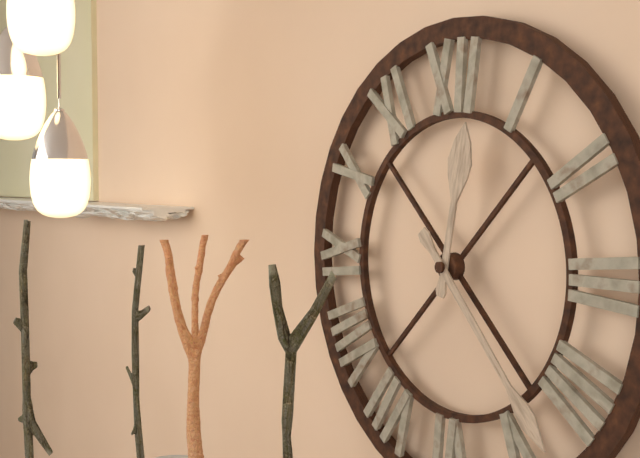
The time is {"hour": 12, "minute": 23}
